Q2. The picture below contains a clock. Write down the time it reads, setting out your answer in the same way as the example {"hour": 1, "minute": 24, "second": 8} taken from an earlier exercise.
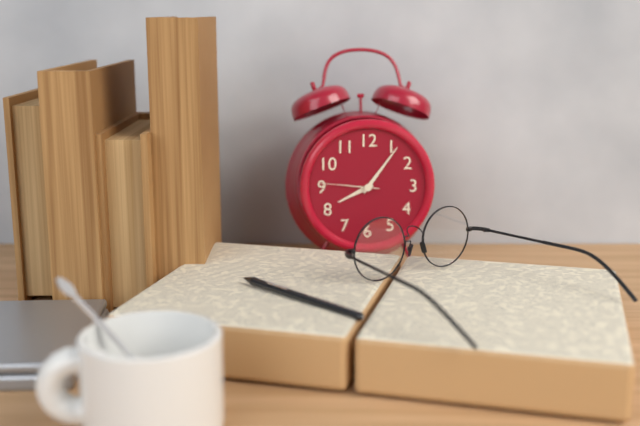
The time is {"hour": 8, "minute": 6, "second": 46}
